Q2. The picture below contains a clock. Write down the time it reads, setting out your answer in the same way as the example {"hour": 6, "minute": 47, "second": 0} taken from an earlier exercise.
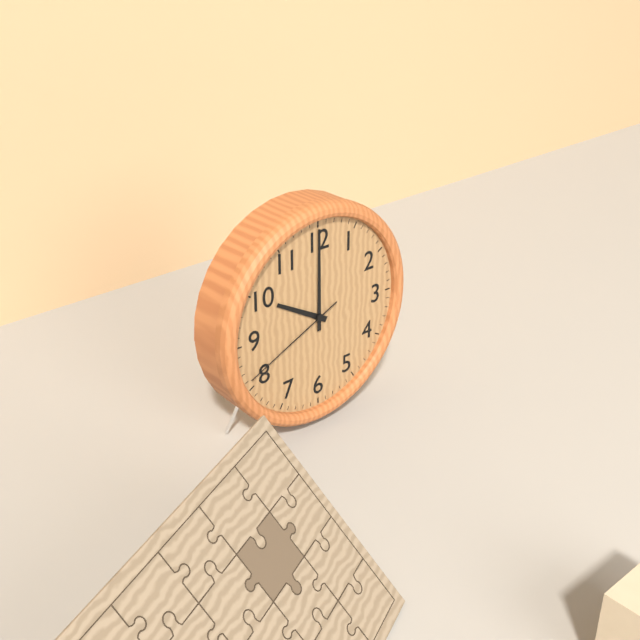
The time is {"hour": 10, "minute": 0, "second": 41}
